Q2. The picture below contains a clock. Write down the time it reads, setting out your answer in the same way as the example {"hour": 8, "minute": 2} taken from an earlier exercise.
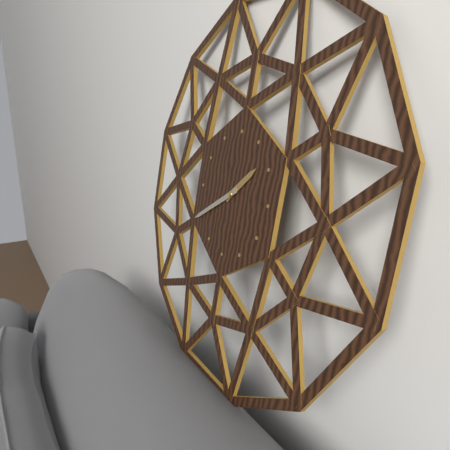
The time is {"hour": 1, "minute": 40}
